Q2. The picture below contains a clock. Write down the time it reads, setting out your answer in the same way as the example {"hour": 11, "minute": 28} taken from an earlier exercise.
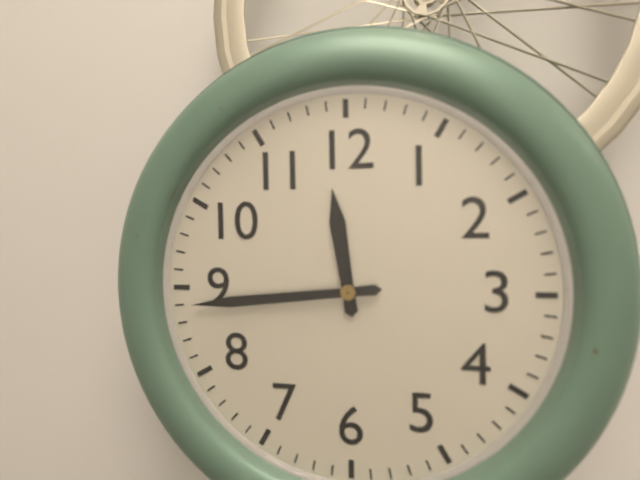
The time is {"hour": 11, "minute": 44}
